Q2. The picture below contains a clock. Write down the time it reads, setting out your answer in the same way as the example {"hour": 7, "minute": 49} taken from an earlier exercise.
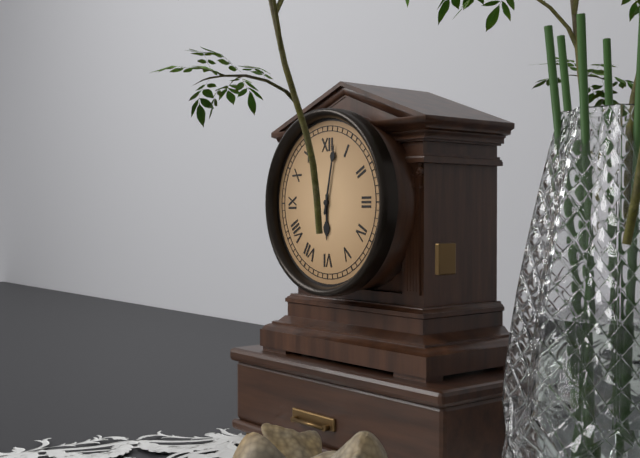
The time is {"hour": 6, "minute": 2}
